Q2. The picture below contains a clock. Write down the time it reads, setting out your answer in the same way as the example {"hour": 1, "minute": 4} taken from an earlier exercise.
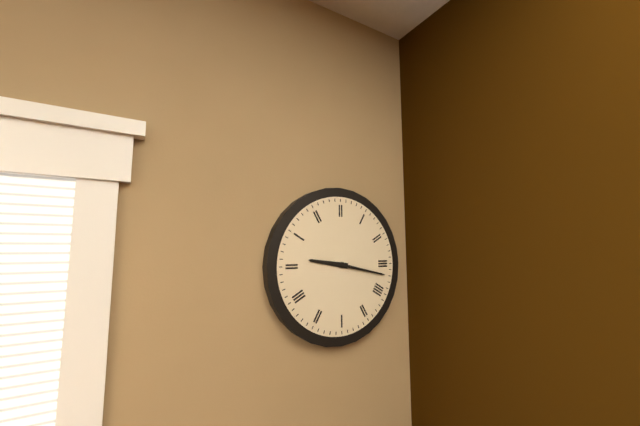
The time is {"hour": 9, "minute": 17}
